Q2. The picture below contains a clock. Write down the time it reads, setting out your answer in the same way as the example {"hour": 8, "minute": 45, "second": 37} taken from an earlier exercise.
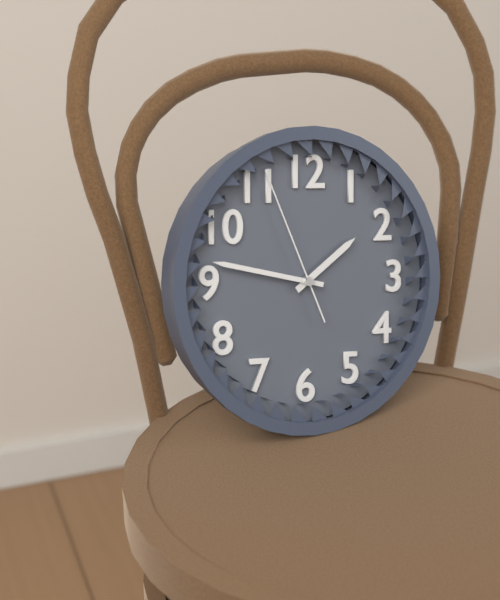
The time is {"hour": 1, "minute": 47, "second": 56}
